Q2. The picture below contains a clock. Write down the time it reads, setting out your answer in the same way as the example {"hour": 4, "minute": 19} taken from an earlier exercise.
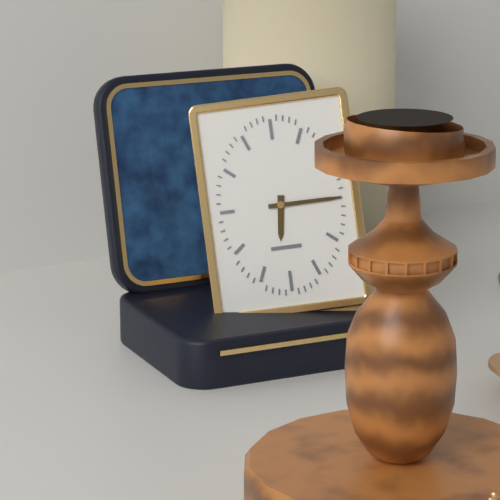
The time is {"hour": 6, "minute": 15}
